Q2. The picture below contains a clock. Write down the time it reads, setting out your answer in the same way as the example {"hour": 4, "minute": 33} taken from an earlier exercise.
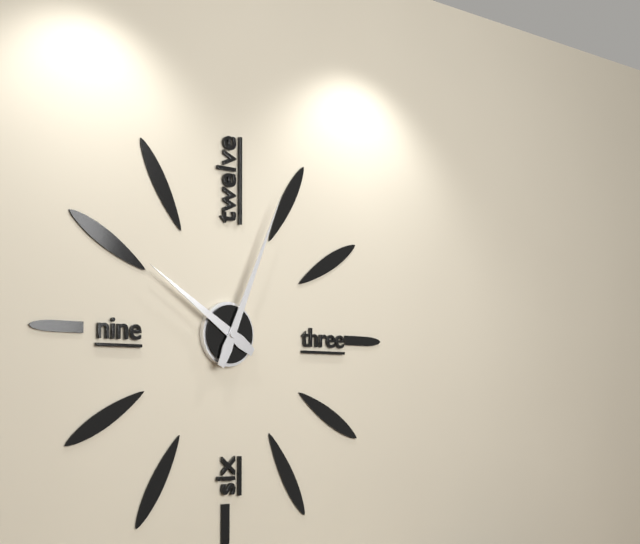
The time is {"hour": 10, "minute": 4}
